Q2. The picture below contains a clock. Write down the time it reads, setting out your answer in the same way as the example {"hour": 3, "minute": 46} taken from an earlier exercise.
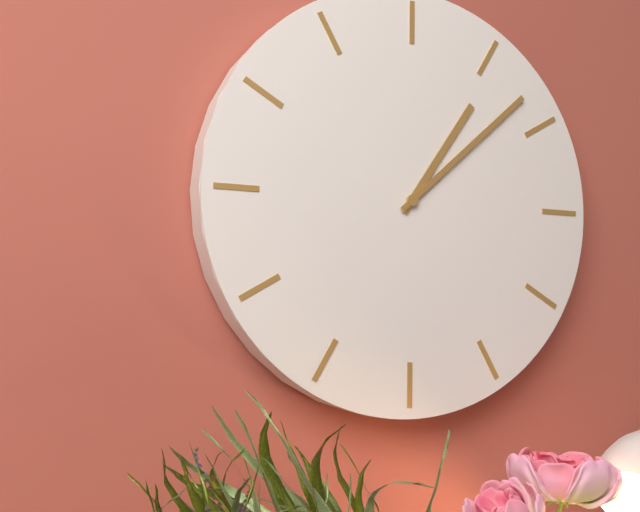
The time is {"hour": 1, "minute": 8}
